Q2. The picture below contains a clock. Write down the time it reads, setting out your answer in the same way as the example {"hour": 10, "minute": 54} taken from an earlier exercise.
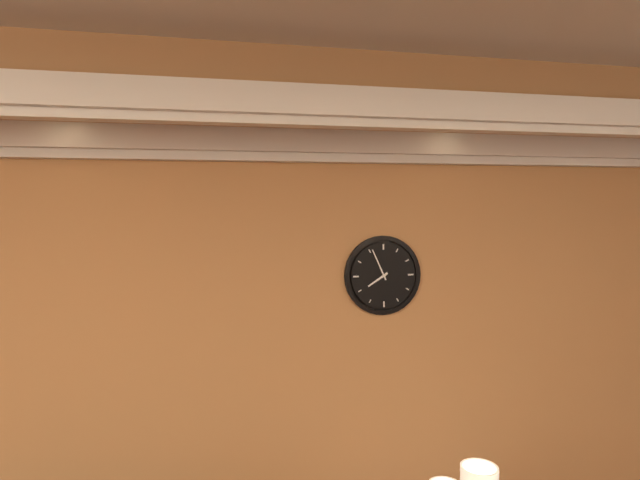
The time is {"hour": 7, "minute": 56}
